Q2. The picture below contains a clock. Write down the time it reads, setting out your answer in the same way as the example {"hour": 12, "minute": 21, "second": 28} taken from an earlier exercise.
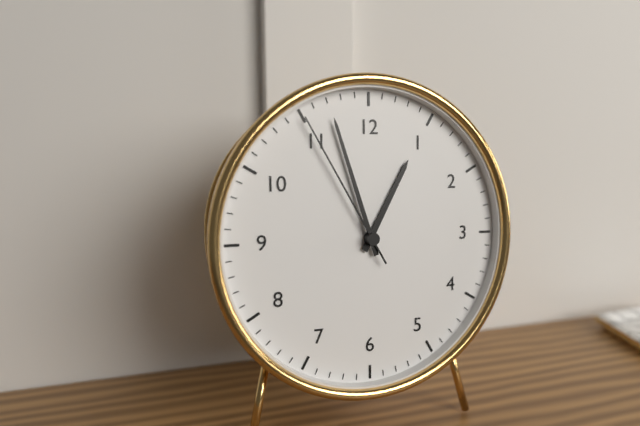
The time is {"hour": 12, "minute": 57, "second": 55}
